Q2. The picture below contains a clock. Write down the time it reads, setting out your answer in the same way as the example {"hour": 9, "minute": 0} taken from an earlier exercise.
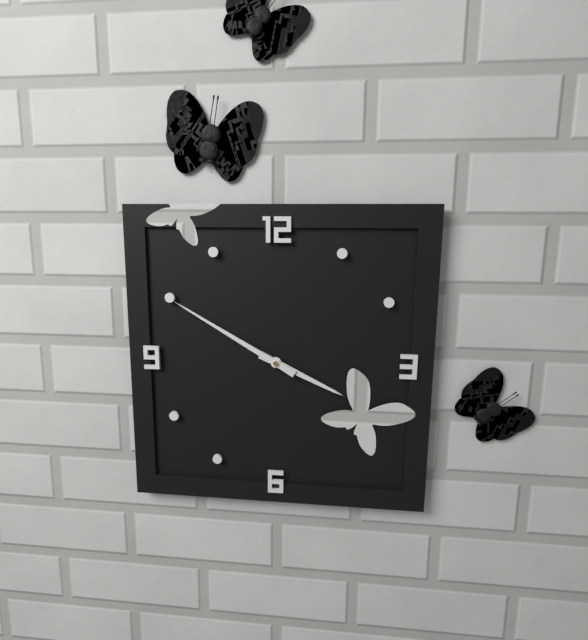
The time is {"hour": 3, "minute": 50}
